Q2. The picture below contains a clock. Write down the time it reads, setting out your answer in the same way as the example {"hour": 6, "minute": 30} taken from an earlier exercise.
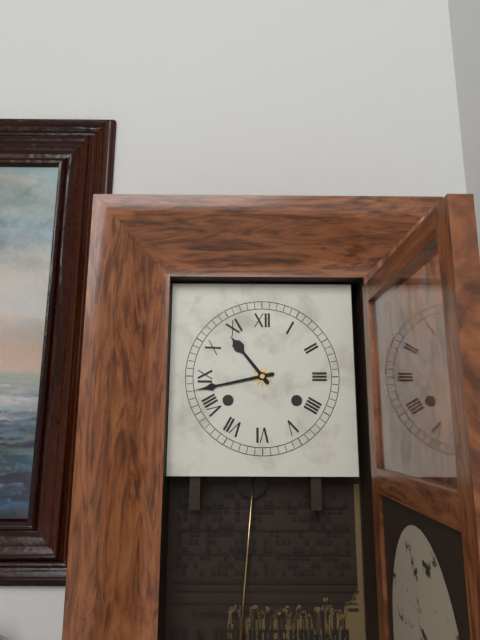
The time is {"hour": 10, "minute": 43}
